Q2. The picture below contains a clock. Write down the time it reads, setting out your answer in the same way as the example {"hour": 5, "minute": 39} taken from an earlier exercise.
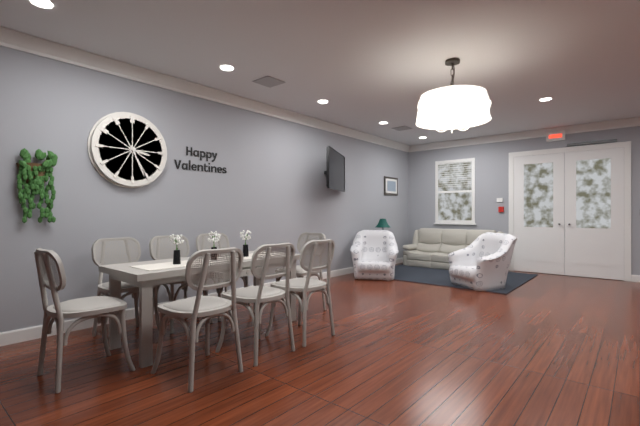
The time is {"hour": 3, "minute": 26}
